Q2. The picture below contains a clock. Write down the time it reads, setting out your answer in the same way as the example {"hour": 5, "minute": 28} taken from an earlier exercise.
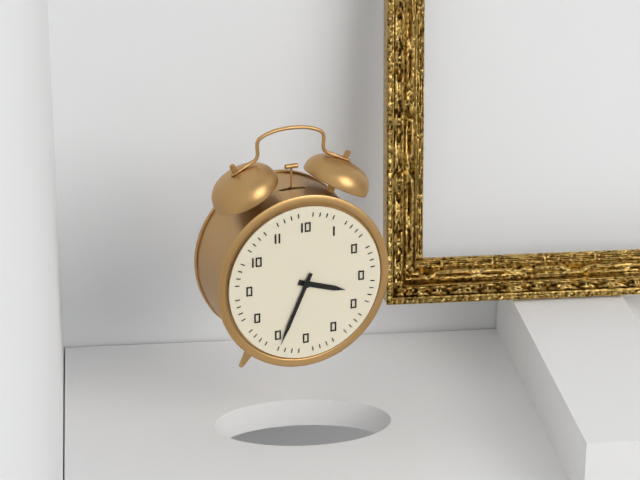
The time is {"hour": 3, "minute": 34}
